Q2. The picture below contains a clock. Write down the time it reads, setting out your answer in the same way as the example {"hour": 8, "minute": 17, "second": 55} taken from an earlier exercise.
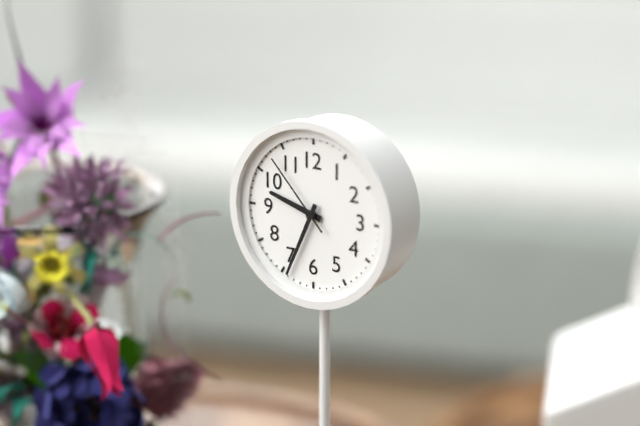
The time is {"hour": 9, "minute": 34, "second": 53}
